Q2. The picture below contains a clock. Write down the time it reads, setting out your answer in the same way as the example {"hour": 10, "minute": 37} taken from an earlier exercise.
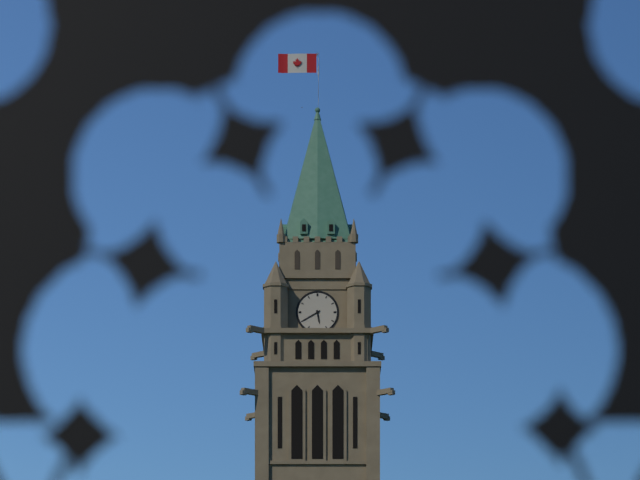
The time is {"hour": 5, "minute": 40}
